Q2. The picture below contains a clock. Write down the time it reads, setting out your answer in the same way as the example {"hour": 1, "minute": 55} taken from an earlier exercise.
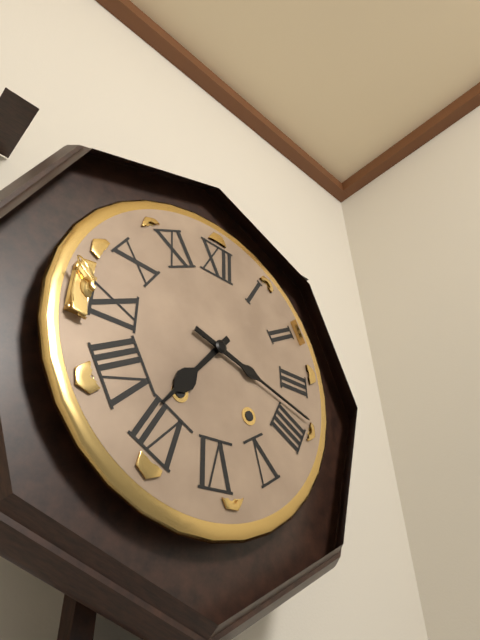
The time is {"hour": 7, "minute": 18}
